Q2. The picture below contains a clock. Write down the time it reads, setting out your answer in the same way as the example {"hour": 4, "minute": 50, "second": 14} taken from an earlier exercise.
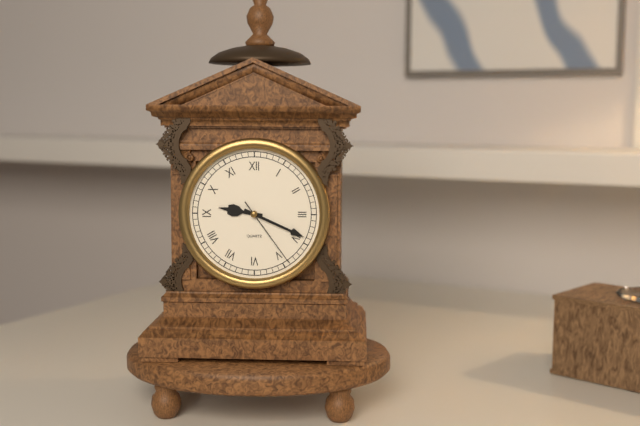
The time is {"hour": 9, "minute": 19, "second": 24}
